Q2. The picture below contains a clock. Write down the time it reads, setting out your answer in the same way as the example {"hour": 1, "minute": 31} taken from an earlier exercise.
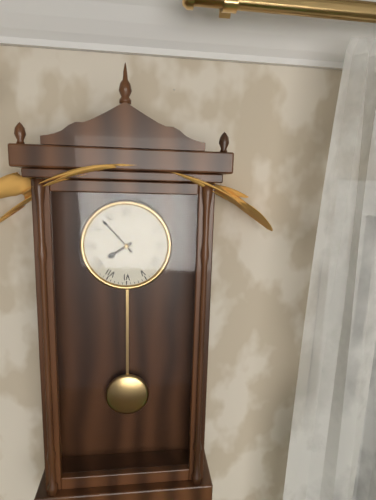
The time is {"hour": 7, "minute": 53}
